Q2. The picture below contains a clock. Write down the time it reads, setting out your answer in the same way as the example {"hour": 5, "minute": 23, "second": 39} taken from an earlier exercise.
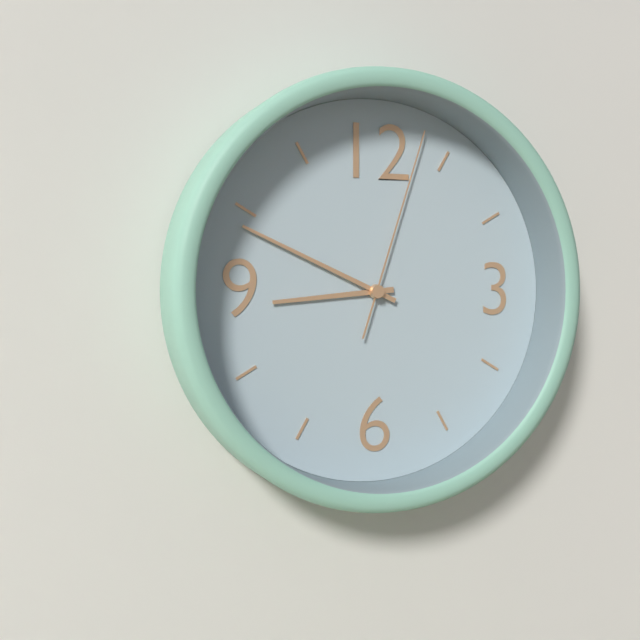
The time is {"hour": 8, "minute": 49, "second": 3}
